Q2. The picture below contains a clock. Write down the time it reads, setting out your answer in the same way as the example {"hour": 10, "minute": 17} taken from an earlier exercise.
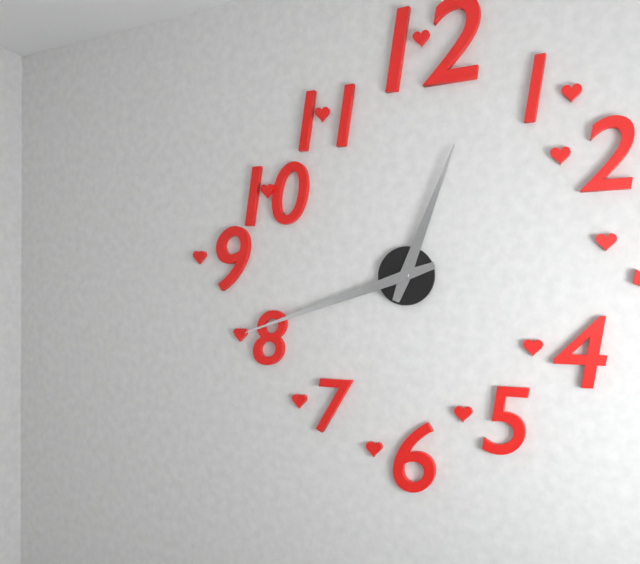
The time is {"hour": 12, "minute": 42}
